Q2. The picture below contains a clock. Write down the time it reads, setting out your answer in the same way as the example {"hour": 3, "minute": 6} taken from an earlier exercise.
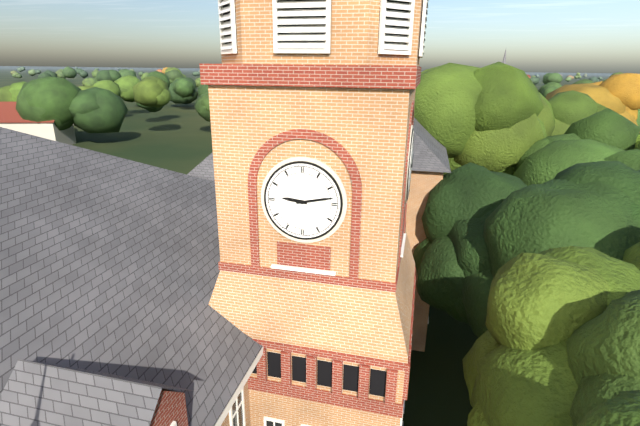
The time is {"hour": 9, "minute": 13}
